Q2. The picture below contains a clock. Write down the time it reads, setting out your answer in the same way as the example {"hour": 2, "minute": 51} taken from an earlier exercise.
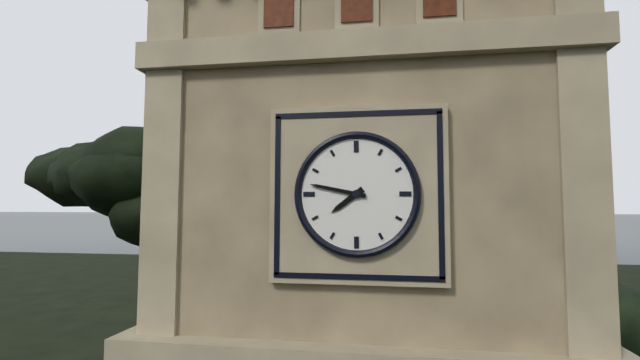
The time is {"hour": 7, "minute": 47}
